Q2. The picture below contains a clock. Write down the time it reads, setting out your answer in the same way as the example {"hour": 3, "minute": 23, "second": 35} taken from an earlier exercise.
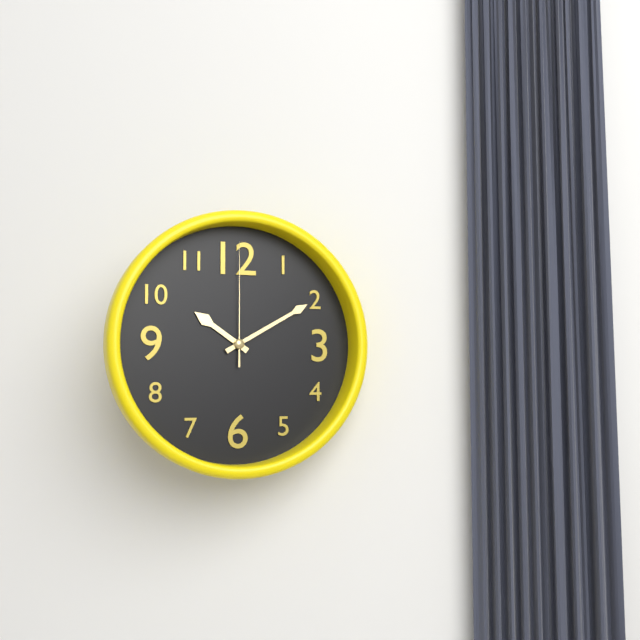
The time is {"hour": 10, "minute": 10, "second": 0}
